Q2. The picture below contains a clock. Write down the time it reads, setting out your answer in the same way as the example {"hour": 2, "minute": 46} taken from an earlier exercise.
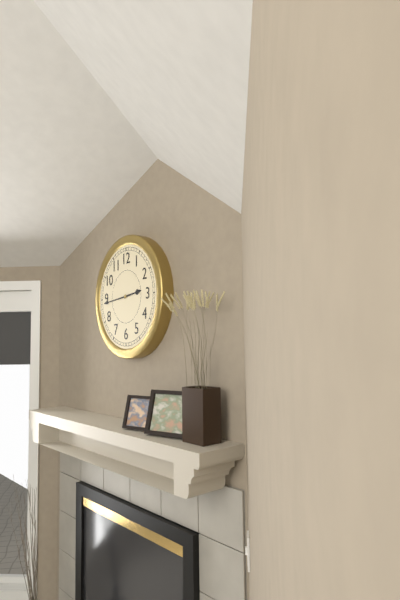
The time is {"hour": 2, "minute": 44}
